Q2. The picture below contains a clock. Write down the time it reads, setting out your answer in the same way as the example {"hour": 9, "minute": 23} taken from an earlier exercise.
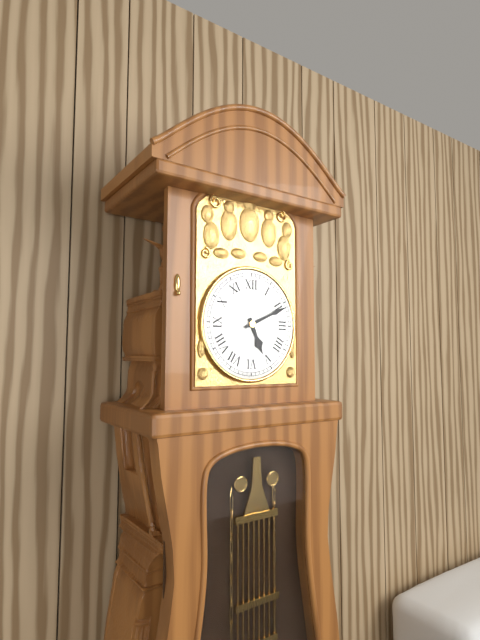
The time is {"hour": 5, "minute": 11}
